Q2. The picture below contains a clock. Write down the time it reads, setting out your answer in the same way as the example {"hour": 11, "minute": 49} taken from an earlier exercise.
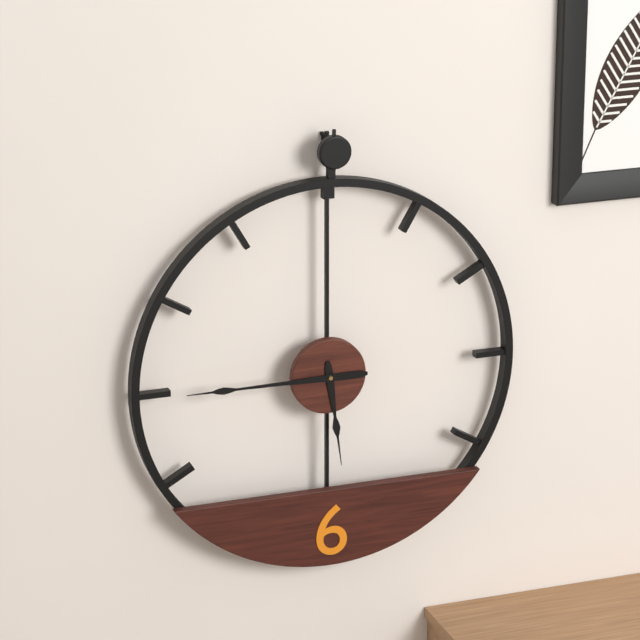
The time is {"hour": 5, "minute": 45}
